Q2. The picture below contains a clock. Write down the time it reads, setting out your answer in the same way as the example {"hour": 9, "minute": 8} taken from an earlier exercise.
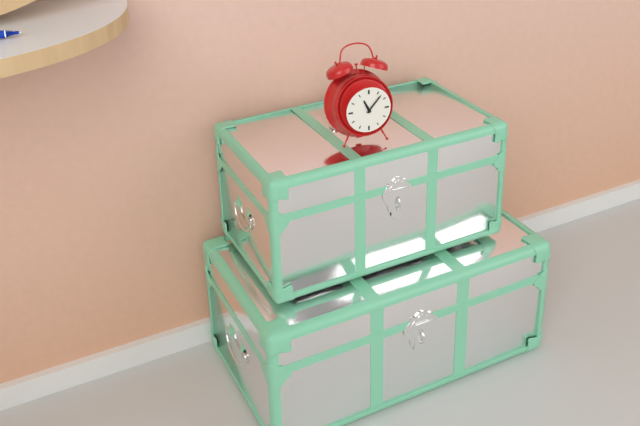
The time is {"hour": 11, "minute": 7}
